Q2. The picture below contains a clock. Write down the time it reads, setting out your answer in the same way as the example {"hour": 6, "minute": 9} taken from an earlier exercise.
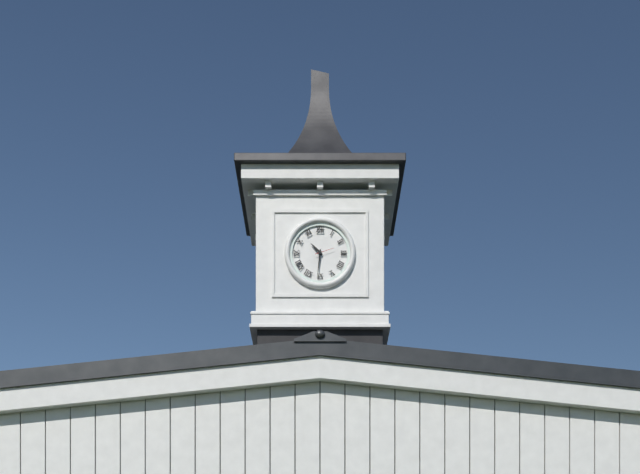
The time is {"hour": 10, "minute": 31}
